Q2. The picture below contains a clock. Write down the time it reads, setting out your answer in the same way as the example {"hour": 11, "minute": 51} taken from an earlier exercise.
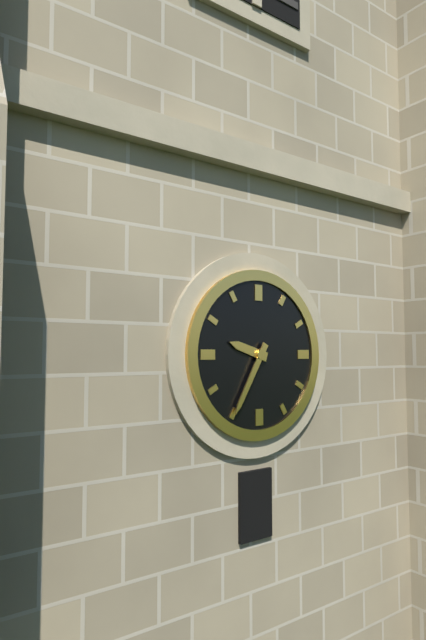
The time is {"hour": 9, "minute": 35}
